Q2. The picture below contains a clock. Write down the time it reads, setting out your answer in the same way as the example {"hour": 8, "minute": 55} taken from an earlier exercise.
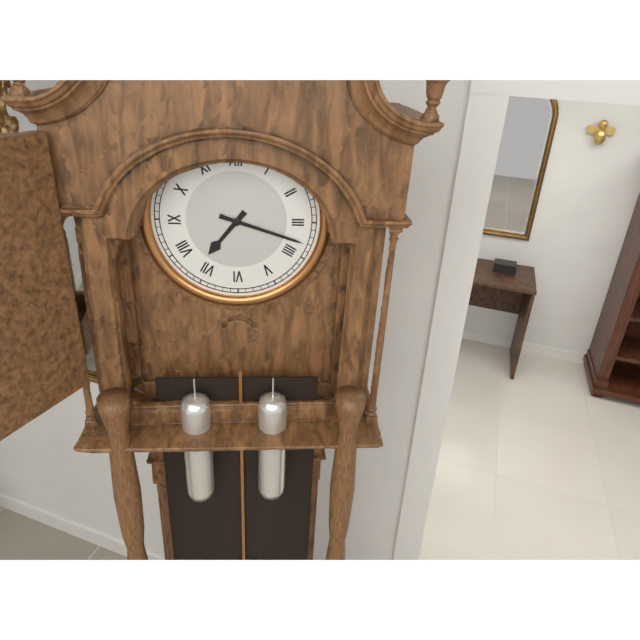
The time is {"hour": 7, "minute": 18}
